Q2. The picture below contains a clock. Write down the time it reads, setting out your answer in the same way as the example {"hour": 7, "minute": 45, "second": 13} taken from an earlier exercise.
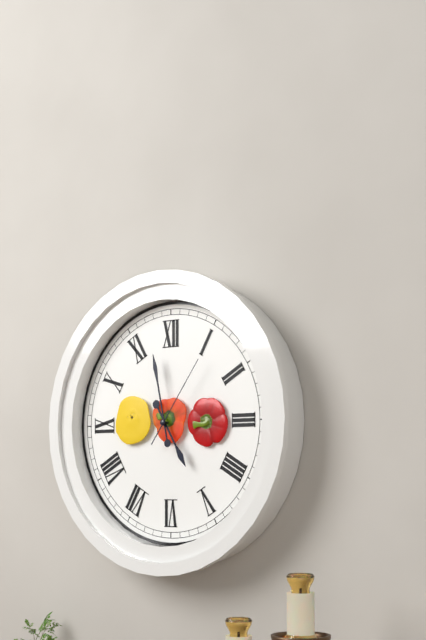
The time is {"hour": 4, "minute": 58, "second": 6}
